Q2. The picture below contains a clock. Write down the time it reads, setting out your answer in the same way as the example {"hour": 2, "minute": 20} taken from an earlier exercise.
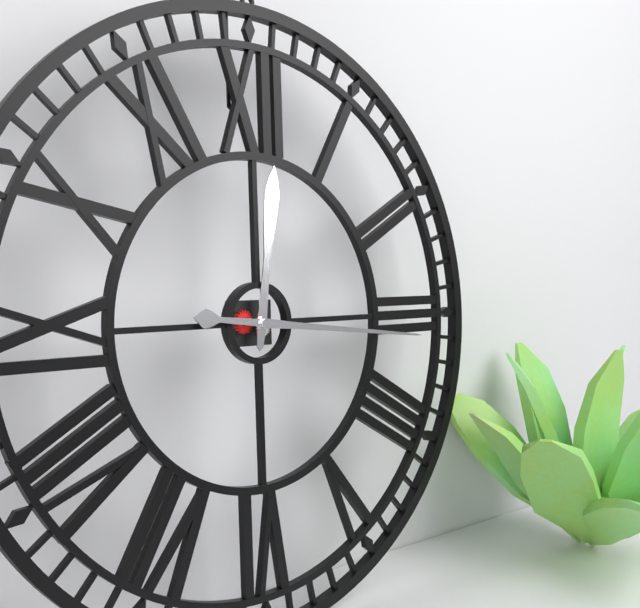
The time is {"hour": 12, "minute": 16}
